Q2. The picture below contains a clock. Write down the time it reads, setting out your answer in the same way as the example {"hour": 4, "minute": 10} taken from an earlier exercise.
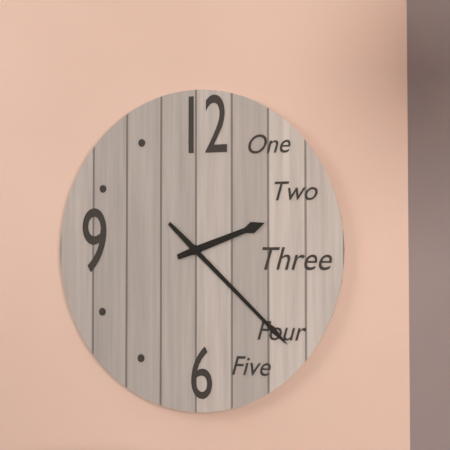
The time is {"hour": 2, "minute": 22}
